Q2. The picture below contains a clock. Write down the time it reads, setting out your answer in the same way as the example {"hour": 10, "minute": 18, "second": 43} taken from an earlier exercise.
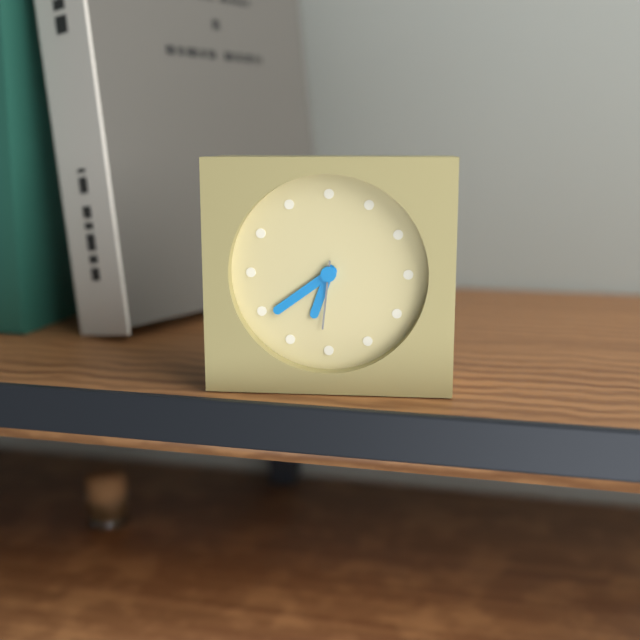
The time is {"hour": 6, "minute": 39, "second": 31}
